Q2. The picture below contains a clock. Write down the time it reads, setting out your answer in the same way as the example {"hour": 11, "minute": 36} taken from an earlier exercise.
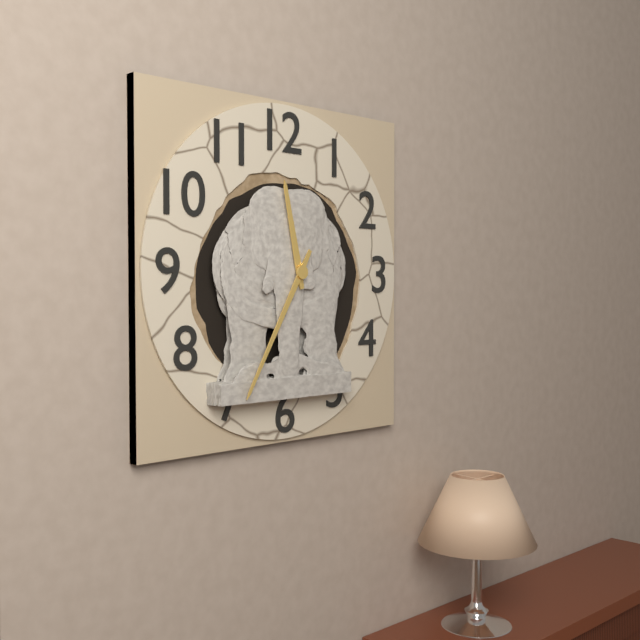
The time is {"hour": 11, "minute": 35}
